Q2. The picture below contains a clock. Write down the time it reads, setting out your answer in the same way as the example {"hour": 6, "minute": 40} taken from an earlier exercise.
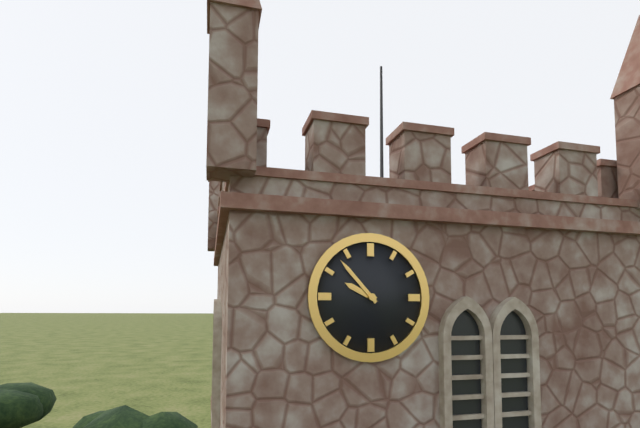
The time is {"hour": 9, "minute": 53}
